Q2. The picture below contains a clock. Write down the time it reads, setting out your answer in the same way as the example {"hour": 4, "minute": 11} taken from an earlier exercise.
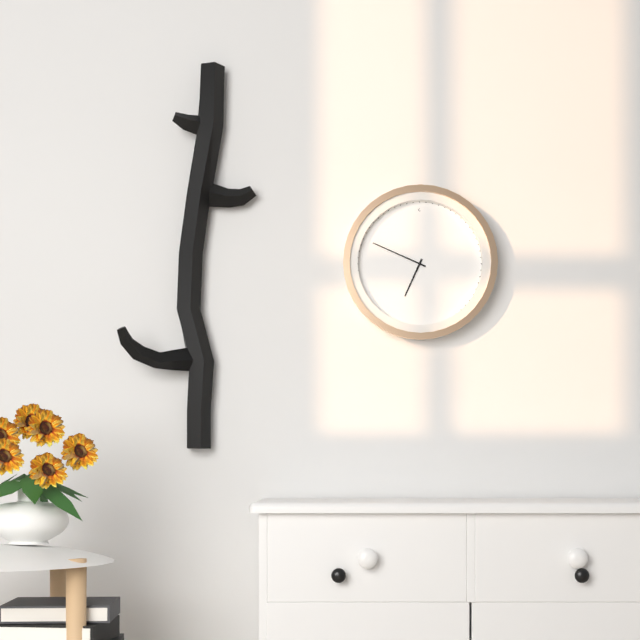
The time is {"hour": 6, "minute": 49}
